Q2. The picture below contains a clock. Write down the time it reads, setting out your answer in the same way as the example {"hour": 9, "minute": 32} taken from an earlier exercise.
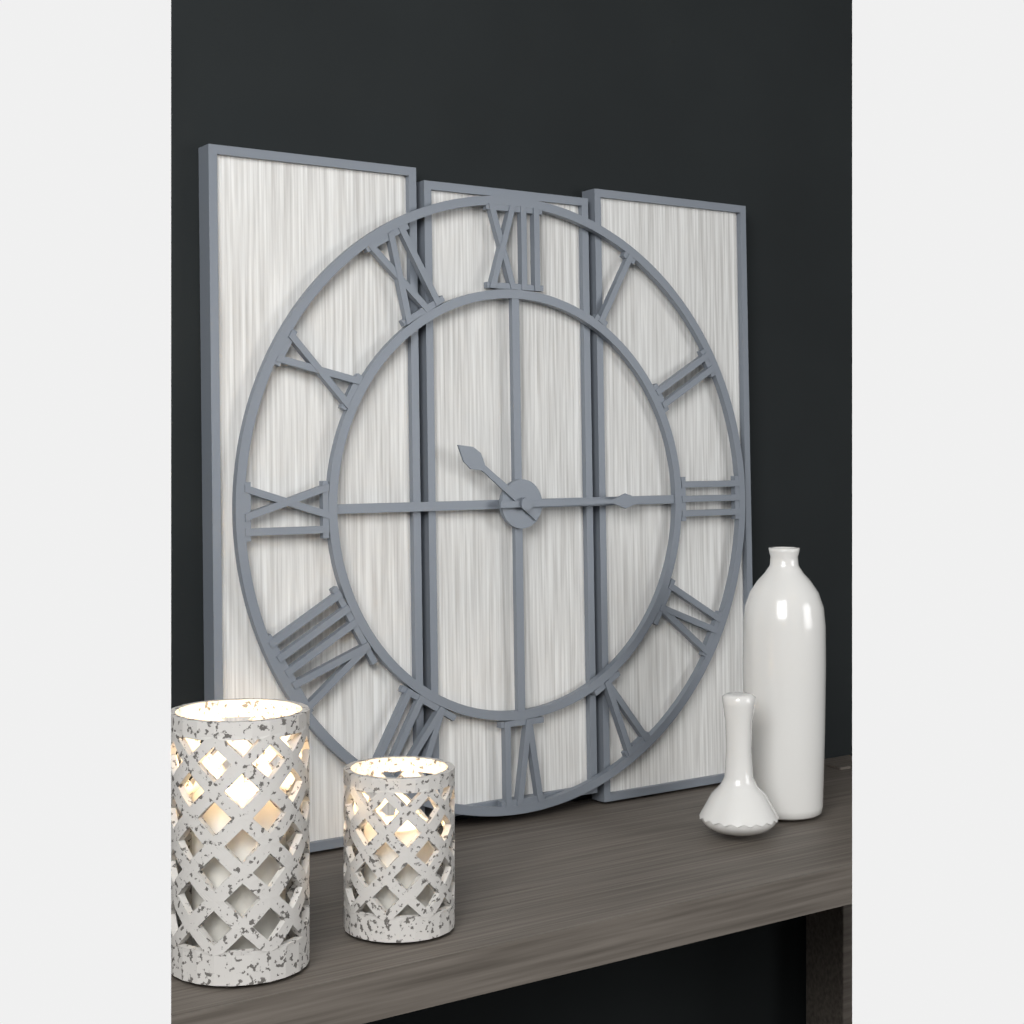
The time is {"hour": 10, "minute": 15}
